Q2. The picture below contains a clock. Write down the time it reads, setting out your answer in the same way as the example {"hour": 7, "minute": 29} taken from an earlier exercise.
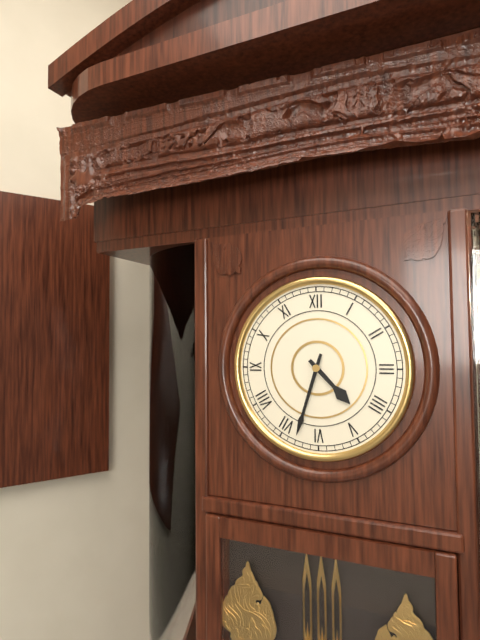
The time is {"hour": 4, "minute": 33}
